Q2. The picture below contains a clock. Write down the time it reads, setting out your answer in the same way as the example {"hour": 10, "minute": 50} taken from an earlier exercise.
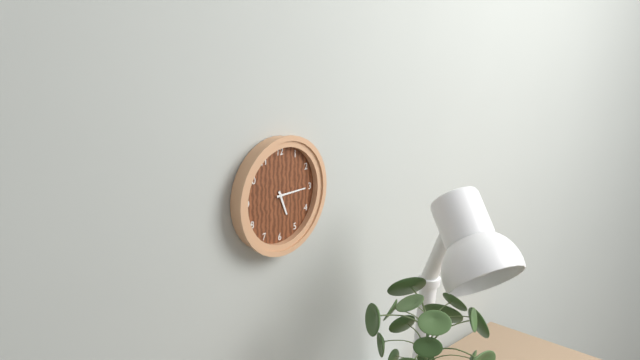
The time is {"hour": 5, "minute": 15}
